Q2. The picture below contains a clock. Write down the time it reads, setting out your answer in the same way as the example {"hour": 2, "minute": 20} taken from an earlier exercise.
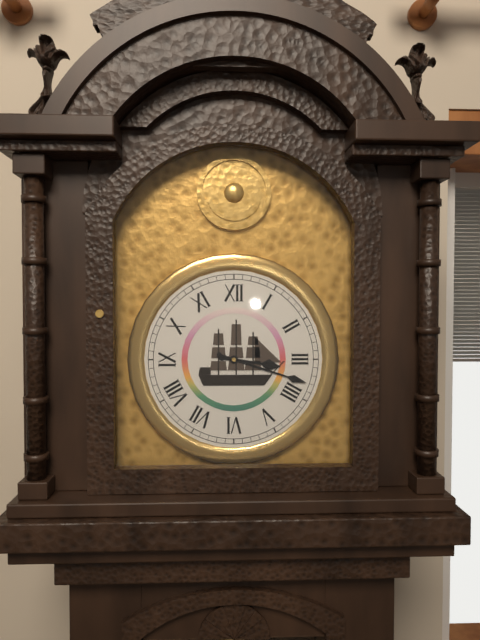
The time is {"hour": 3, "minute": 18}
